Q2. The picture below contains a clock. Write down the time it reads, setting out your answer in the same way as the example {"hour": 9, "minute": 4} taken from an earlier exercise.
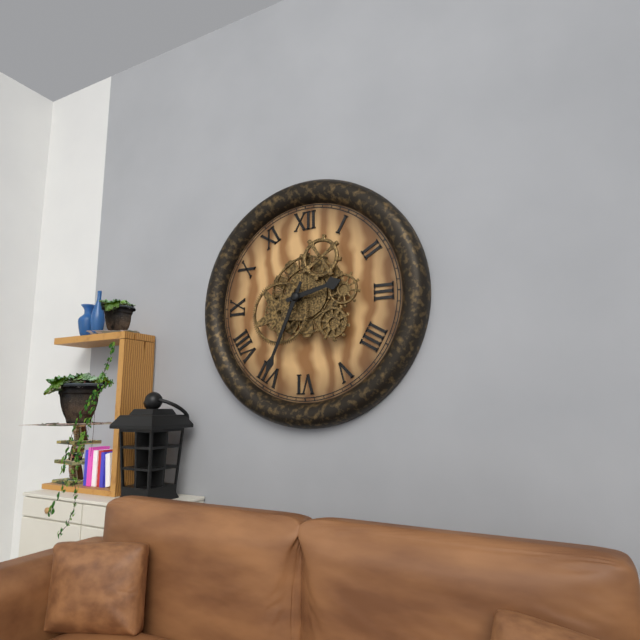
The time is {"hour": 2, "minute": 34}
